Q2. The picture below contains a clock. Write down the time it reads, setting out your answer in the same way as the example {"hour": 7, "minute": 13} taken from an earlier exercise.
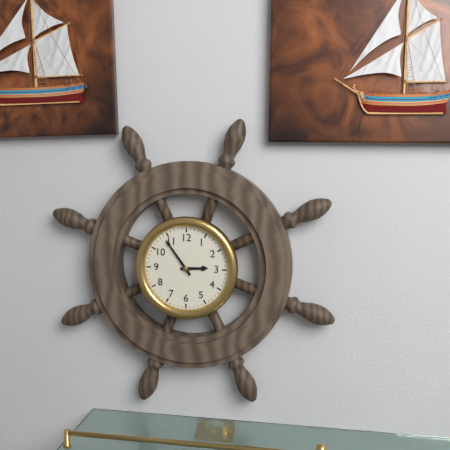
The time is {"hour": 2, "minute": 54}
